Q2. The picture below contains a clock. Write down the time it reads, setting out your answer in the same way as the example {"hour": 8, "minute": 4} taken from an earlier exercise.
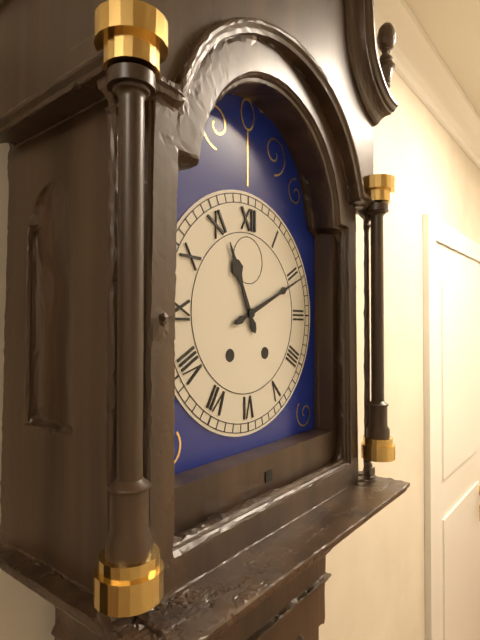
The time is {"hour": 11, "minute": 11}
